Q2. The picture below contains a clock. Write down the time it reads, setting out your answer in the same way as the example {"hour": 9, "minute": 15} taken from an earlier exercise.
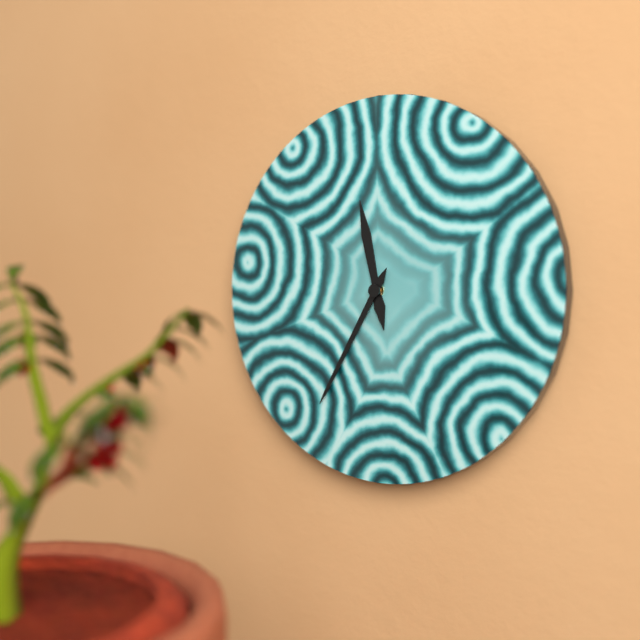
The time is {"hour": 11, "minute": 35}
